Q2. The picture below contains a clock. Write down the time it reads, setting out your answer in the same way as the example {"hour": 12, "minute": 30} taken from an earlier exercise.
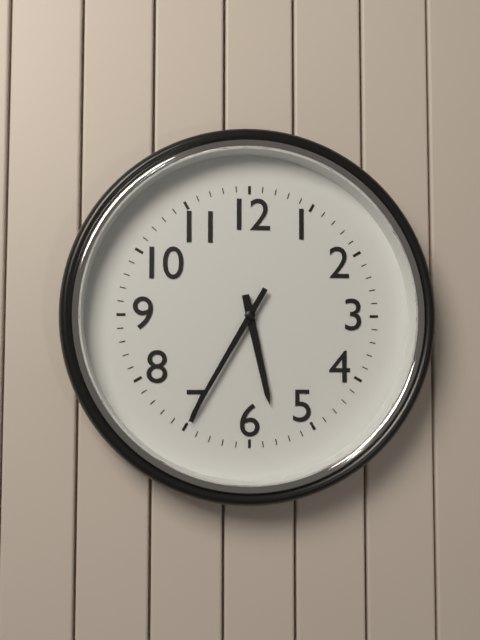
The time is {"hour": 5, "minute": 35}
